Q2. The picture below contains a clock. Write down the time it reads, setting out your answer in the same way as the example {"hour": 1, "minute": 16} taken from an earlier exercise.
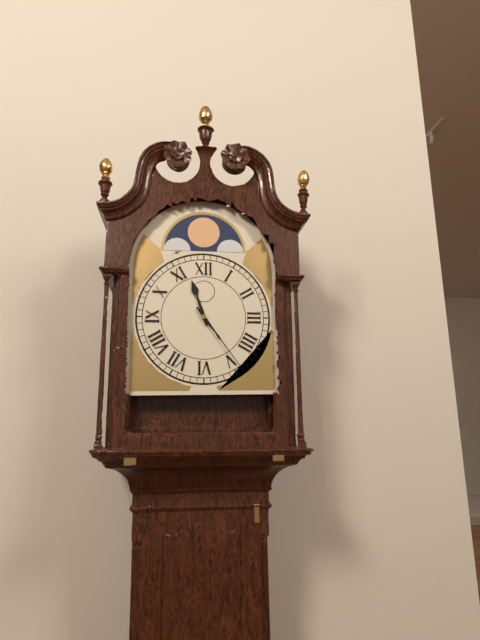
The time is {"hour": 11, "minute": 24}
